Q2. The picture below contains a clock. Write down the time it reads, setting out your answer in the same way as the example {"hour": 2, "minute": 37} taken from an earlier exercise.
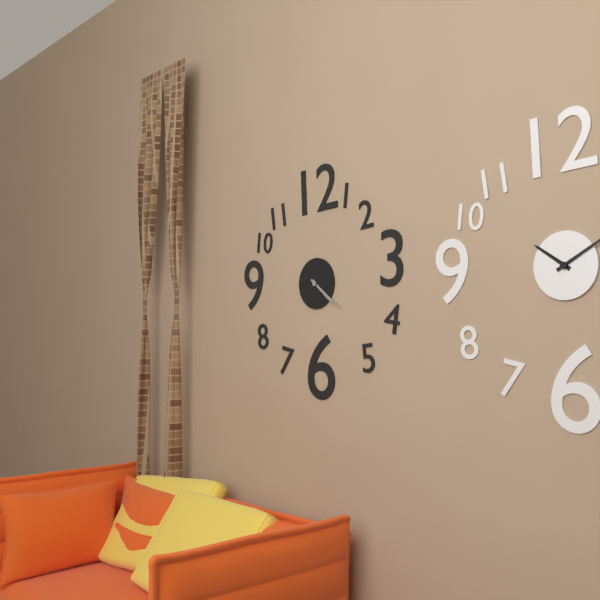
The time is {"hour": 4, "minute": 21}
